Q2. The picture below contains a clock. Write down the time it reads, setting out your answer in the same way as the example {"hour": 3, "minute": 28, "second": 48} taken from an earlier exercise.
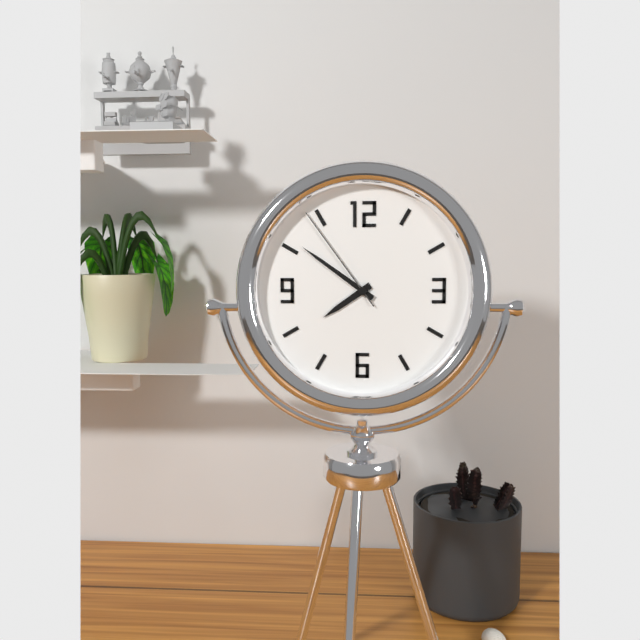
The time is {"hour": 7, "minute": 51, "second": 54}
